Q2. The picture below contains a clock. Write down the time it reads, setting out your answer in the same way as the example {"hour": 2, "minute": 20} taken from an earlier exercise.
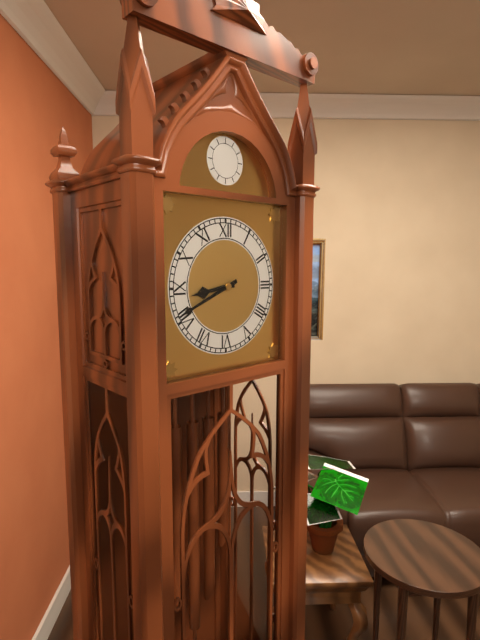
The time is {"hour": 8, "minute": 41}
